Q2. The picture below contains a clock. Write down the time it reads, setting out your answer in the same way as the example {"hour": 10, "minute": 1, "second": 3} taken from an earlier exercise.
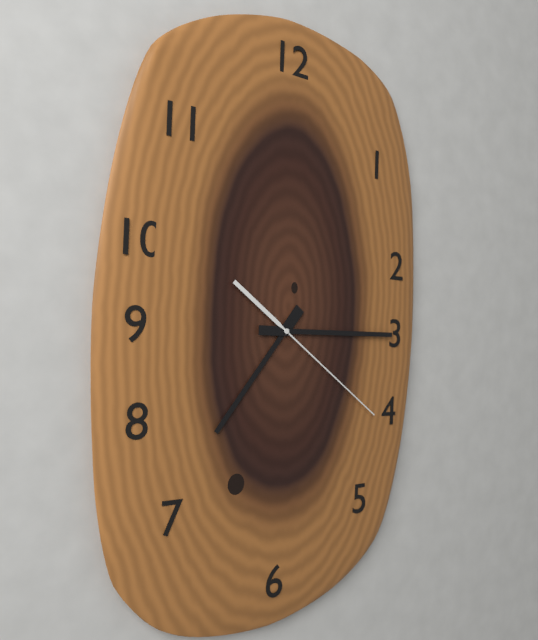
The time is {"hour": 7, "minute": 15, "second": 21}
